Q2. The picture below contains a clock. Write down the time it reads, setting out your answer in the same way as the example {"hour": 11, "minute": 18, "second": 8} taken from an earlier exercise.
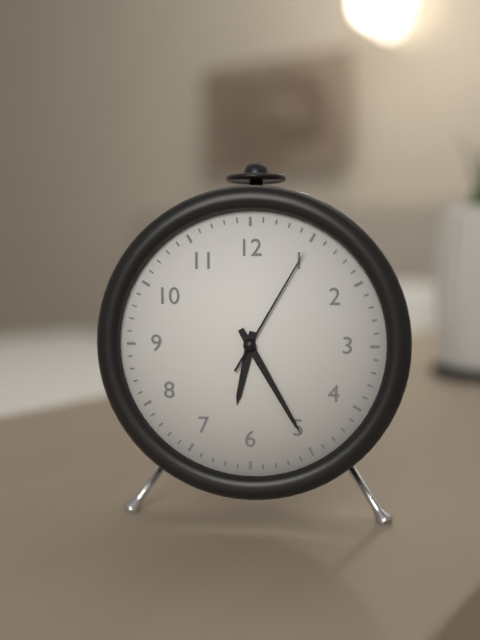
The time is {"hour": 6, "minute": 25, "second": 5}
